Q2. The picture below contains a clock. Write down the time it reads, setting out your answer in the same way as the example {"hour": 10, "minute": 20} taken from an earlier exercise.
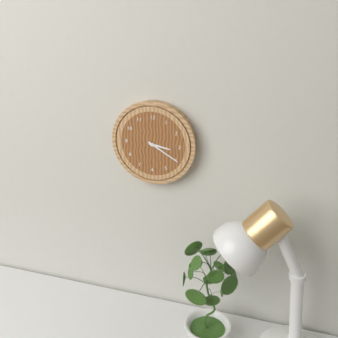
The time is {"hour": 3, "minute": 20}
